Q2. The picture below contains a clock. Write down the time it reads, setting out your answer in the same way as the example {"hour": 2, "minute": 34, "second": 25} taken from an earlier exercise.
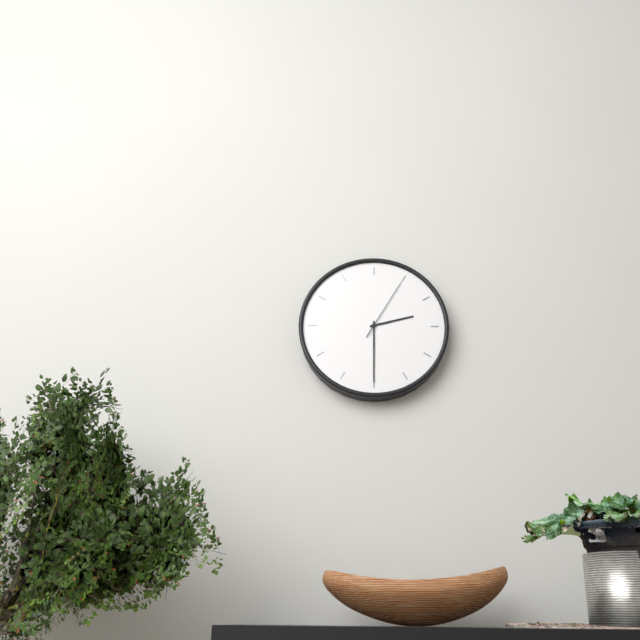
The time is {"hour": 2, "minute": 30, "second": 5}
